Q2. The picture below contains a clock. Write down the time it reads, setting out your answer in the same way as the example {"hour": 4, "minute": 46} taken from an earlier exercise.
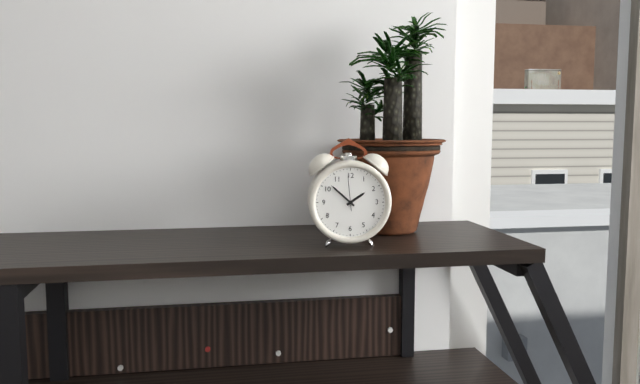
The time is {"hour": 1, "minute": 52}
